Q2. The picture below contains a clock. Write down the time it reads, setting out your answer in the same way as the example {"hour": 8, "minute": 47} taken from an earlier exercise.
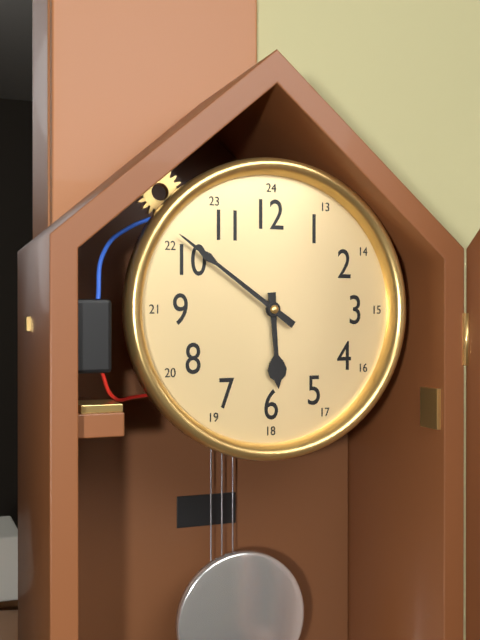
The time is {"hour": 5, "minute": 51}
